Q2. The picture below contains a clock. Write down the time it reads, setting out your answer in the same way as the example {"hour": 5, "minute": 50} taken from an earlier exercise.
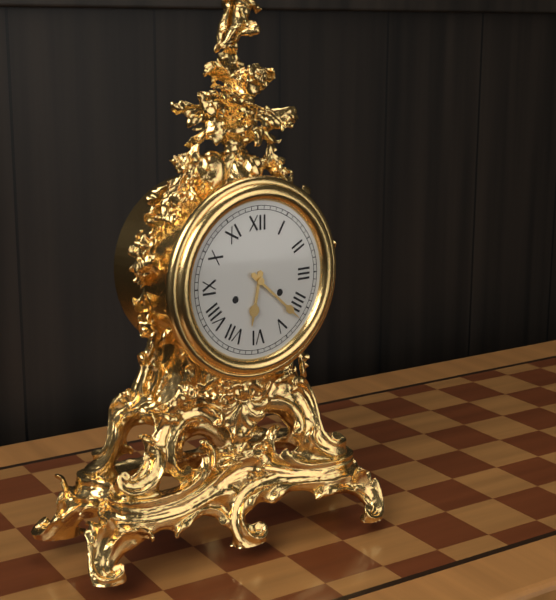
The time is {"hour": 6, "minute": 22}
